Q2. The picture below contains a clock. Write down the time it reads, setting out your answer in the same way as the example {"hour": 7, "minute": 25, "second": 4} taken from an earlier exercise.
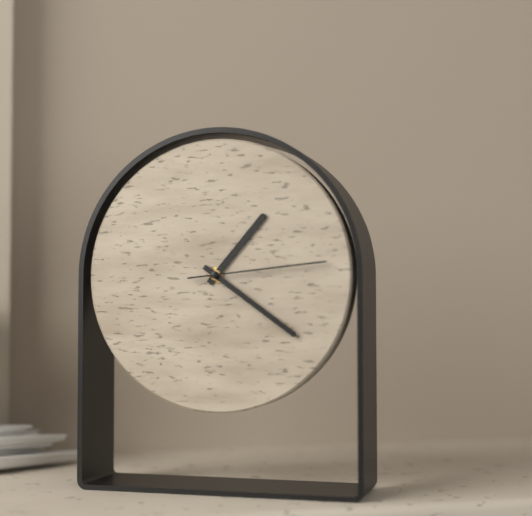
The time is {"hour": 1, "minute": 21, "second": 14}
